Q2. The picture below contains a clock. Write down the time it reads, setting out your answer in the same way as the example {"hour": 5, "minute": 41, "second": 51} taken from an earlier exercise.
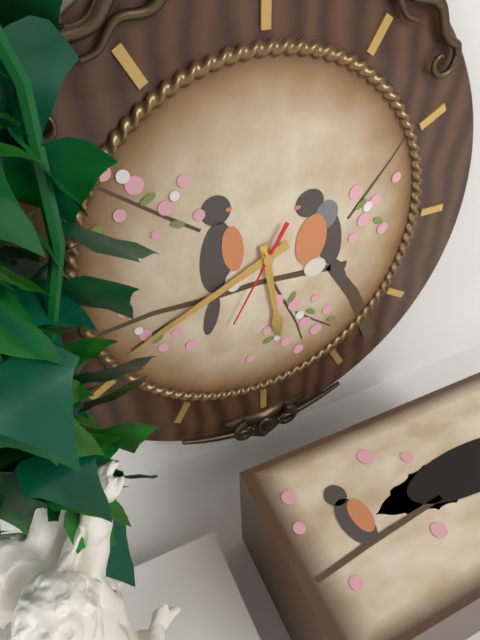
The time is {"hour": 5, "minute": 41, "second": 35}
